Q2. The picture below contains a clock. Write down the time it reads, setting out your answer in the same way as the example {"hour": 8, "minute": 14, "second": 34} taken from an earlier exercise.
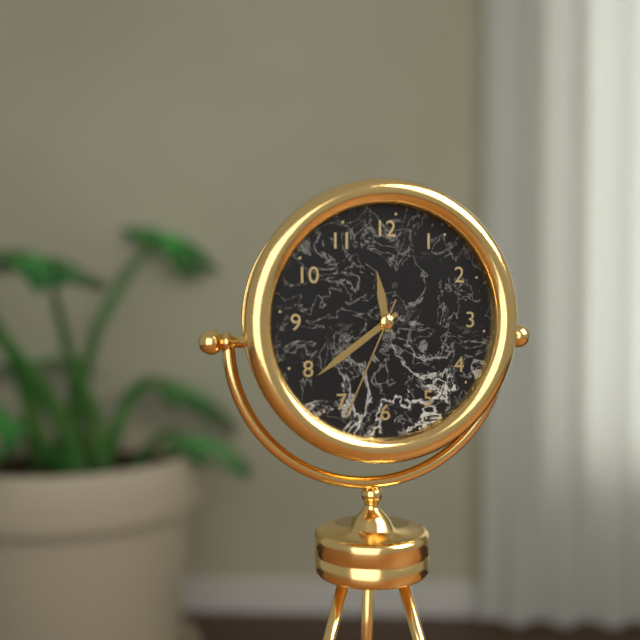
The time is {"hour": 11, "minute": 39, "second": 34}
